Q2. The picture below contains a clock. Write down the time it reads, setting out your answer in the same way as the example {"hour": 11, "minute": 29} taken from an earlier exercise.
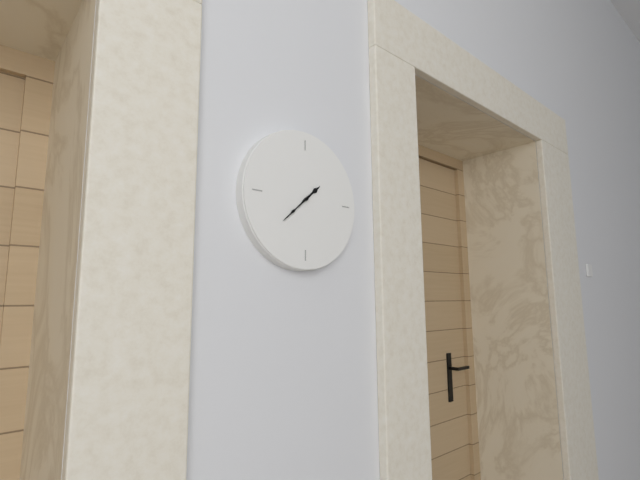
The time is {"hour": 1, "minute": 38}
